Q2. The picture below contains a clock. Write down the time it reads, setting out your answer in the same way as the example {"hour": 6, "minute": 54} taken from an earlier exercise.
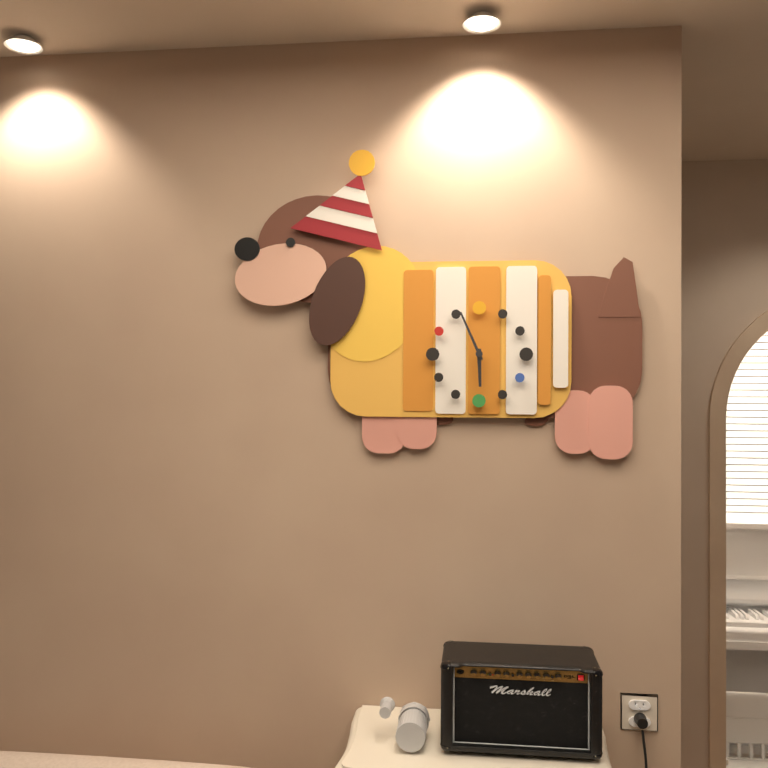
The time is {"hour": 5, "minute": 56}
